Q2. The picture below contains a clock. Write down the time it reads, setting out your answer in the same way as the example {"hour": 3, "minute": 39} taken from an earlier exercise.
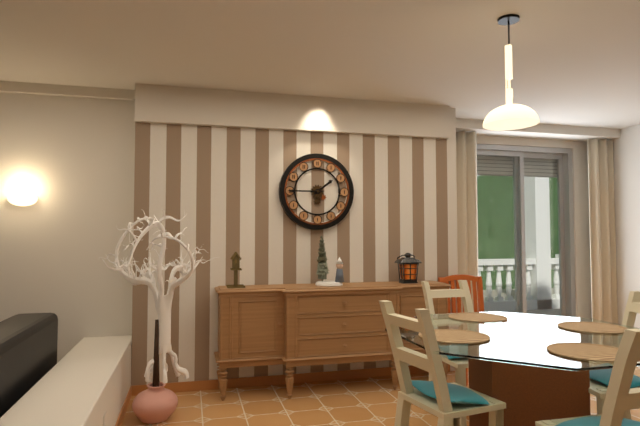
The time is {"hour": 1, "minute": 45}
